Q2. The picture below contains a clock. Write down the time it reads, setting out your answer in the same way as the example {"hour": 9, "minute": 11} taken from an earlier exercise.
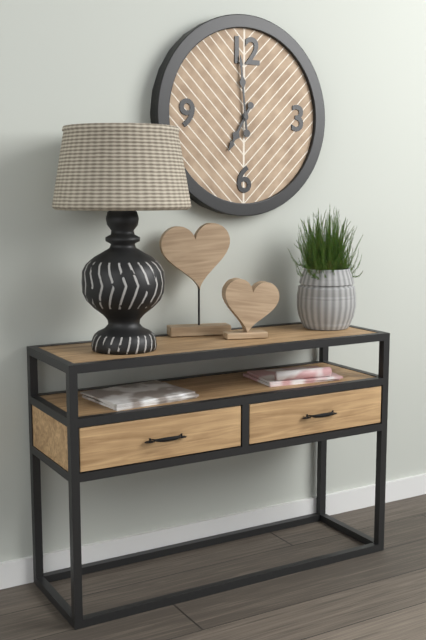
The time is {"hour": 6, "minute": 59}
